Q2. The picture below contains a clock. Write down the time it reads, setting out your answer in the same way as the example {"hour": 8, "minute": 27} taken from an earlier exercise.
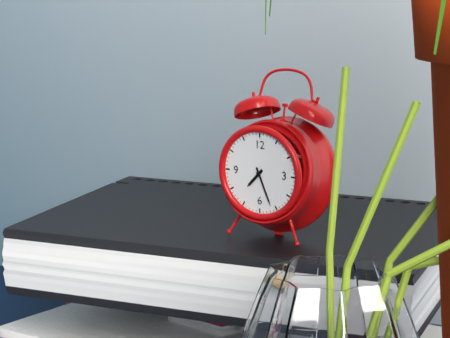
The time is {"hour": 7, "minute": 26}
